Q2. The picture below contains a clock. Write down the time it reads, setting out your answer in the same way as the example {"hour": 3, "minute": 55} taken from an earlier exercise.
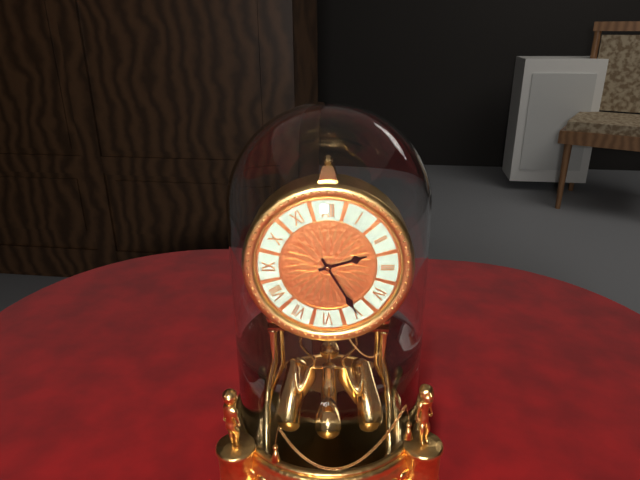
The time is {"hour": 2, "minute": 25}
